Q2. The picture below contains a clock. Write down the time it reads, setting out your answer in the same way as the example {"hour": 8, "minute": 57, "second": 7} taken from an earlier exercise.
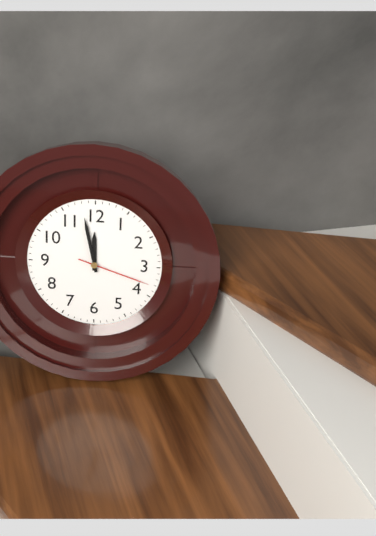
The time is {"hour": 11, "minute": 58, "second": 18}
